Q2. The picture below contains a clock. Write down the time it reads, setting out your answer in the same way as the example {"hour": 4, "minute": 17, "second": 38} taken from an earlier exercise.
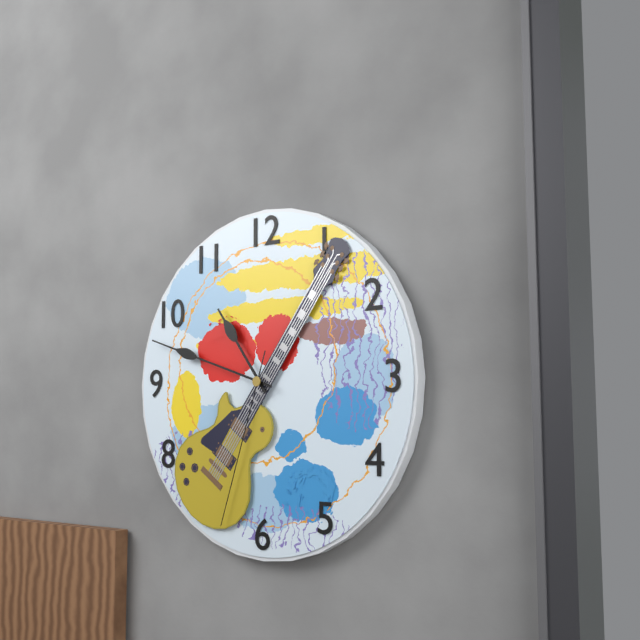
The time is {"hour": 10, "minute": 48, "second": 33}
